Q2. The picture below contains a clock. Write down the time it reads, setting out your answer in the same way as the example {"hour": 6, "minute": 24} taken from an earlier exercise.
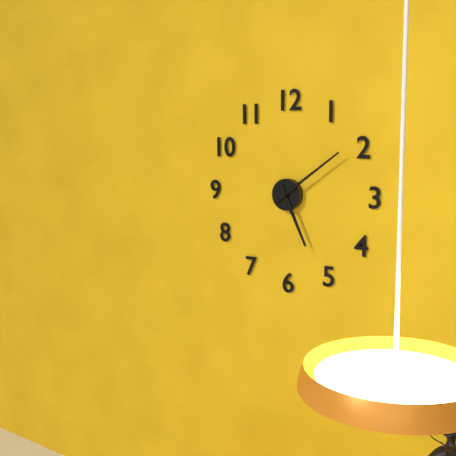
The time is {"hour": 5, "minute": 9}
